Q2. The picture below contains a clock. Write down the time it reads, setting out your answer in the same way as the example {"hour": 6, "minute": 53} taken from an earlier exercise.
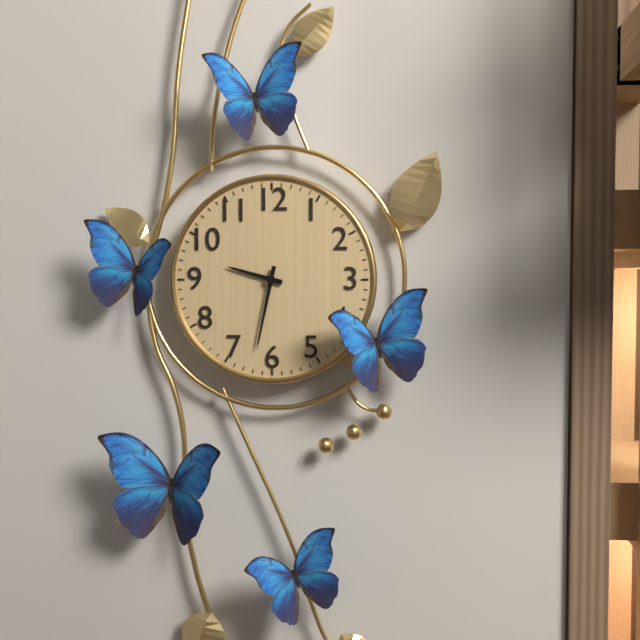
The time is {"hour": 9, "minute": 32}
